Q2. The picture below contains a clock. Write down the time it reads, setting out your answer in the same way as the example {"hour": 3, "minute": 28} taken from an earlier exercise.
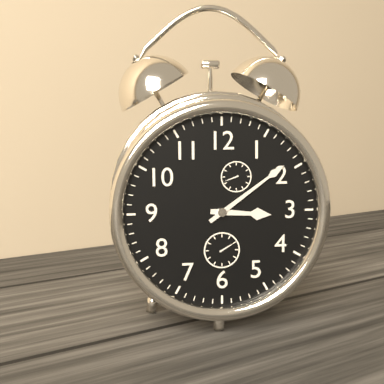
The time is {"hour": 3, "minute": 9}
